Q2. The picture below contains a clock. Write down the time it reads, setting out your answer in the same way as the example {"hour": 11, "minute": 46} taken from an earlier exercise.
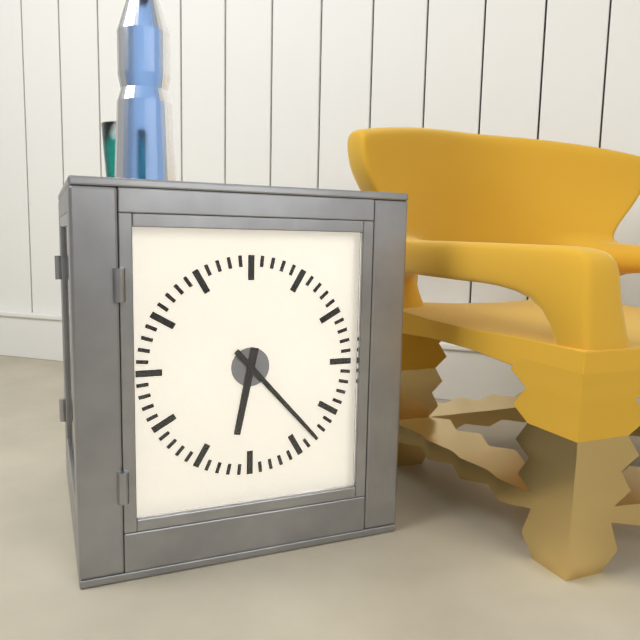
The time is {"hour": 6, "minute": 23}
